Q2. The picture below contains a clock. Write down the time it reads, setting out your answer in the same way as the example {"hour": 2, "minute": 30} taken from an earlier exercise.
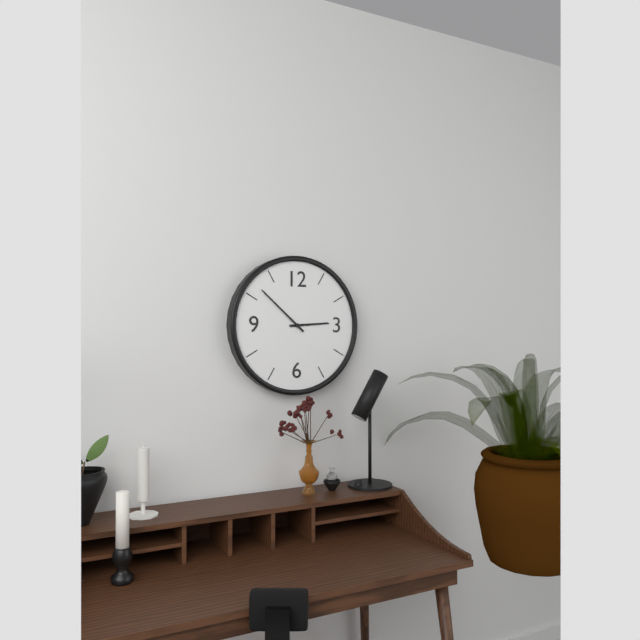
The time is {"hour": 2, "minute": 52}
